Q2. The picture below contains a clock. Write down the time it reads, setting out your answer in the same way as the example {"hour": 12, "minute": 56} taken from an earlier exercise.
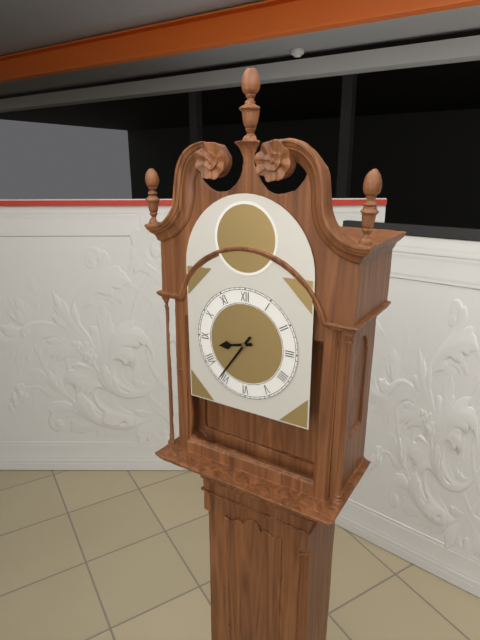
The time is {"hour": 8, "minute": 36}
